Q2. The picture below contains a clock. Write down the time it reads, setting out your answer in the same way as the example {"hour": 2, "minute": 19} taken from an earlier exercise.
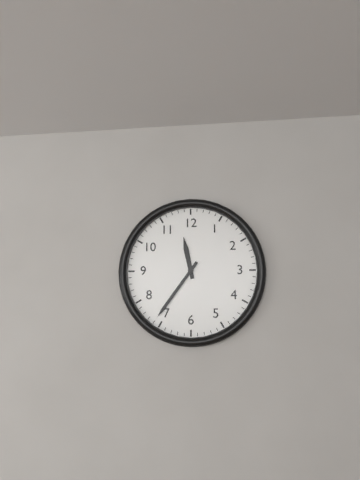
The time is {"hour": 11, "minute": 36}
